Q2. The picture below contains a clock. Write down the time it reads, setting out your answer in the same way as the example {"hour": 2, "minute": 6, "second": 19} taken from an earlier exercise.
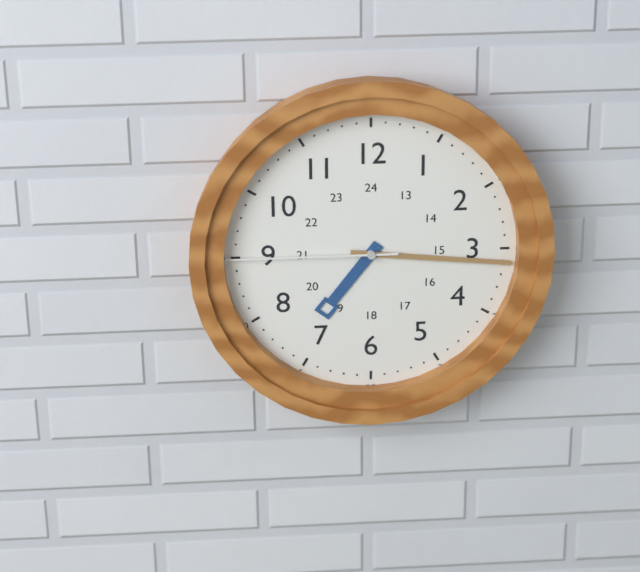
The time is {"hour": 7, "minute": 16, "second": 45}
